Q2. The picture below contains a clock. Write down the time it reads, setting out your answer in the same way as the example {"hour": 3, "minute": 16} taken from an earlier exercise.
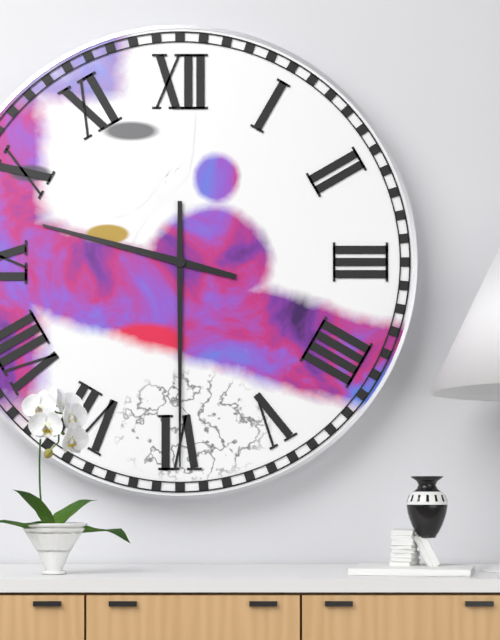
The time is {"hour": 9, "minute": 30}
